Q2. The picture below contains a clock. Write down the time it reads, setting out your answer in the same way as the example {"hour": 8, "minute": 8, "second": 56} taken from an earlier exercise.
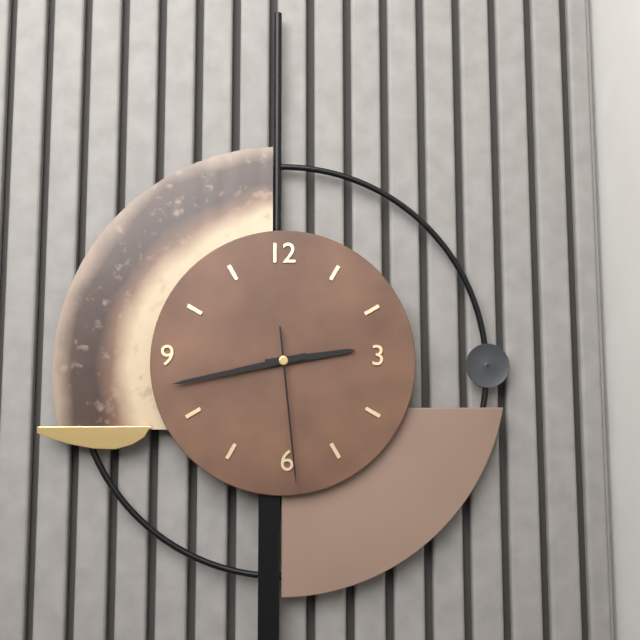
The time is {"hour": 2, "minute": 43, "second": 29}
